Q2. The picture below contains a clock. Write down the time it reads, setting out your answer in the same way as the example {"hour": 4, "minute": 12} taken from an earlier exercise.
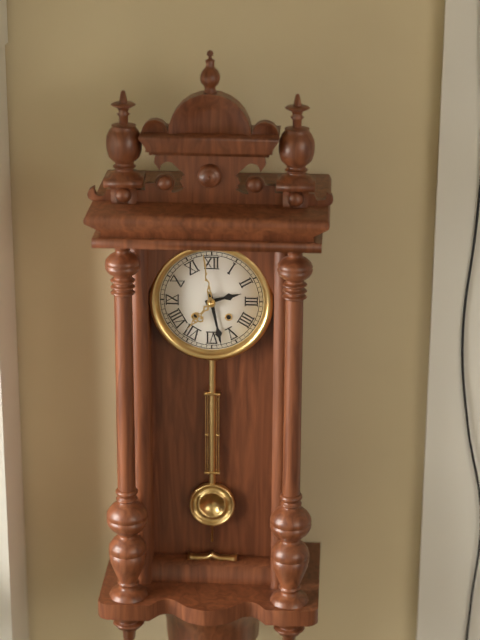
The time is {"hour": 2, "minute": 28}
